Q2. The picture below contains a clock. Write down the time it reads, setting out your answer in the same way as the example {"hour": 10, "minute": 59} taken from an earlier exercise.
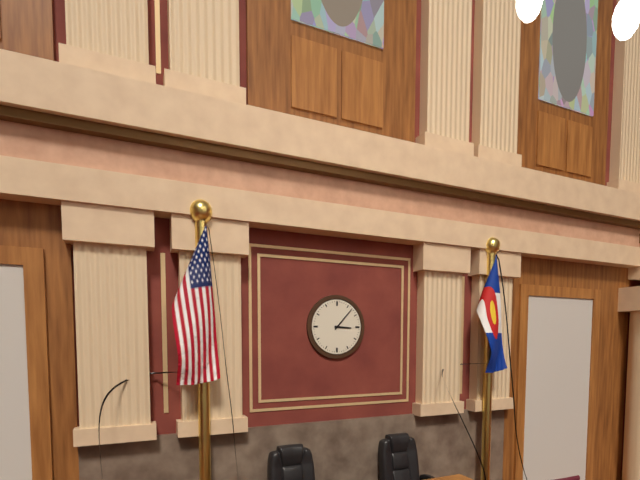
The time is {"hour": 3, "minute": 7}
